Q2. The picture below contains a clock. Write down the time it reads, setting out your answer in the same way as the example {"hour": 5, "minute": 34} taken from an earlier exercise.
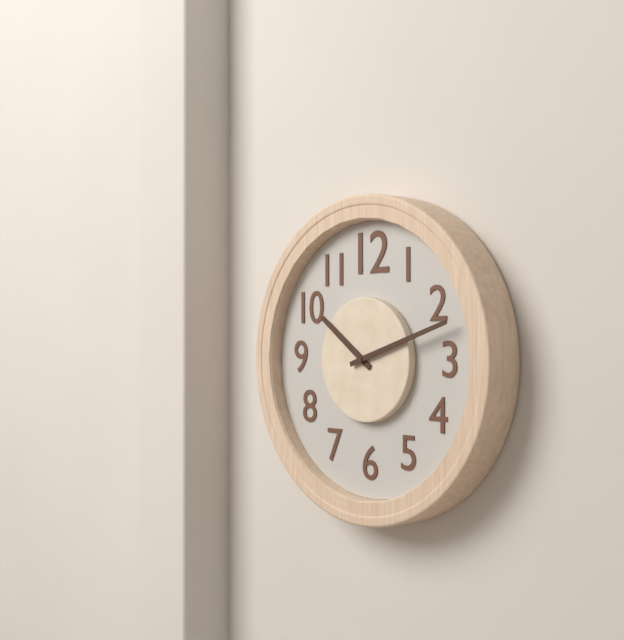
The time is {"hour": 10, "minute": 12}
